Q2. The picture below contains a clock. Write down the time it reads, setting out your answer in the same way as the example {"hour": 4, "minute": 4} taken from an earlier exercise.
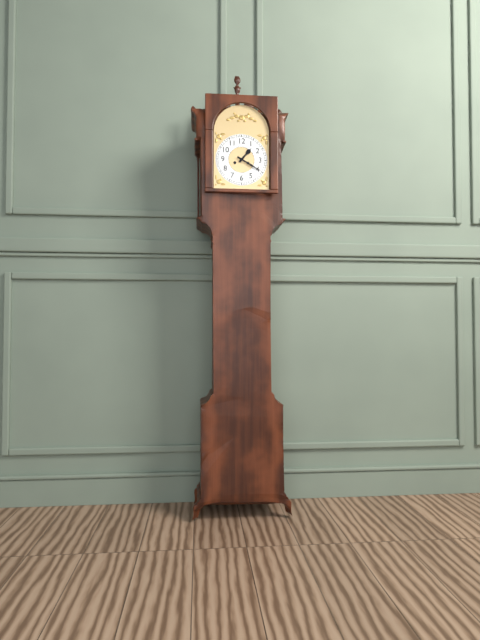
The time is {"hour": 1, "minute": 20}
